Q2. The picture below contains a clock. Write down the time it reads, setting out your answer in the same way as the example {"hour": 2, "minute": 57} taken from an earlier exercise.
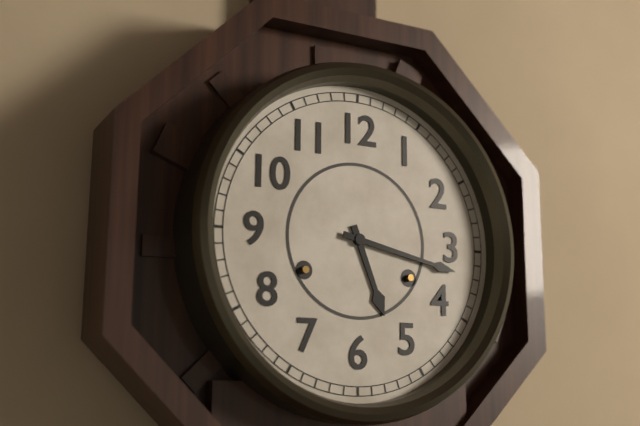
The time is {"hour": 5, "minute": 17}
